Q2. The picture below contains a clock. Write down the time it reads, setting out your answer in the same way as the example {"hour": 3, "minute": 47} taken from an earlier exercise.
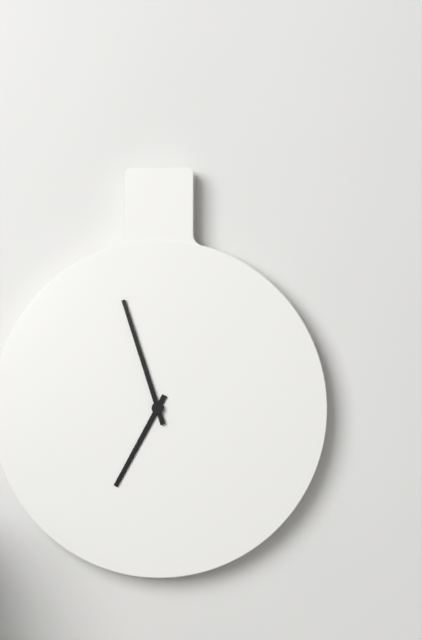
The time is {"hour": 6, "minute": 57}
